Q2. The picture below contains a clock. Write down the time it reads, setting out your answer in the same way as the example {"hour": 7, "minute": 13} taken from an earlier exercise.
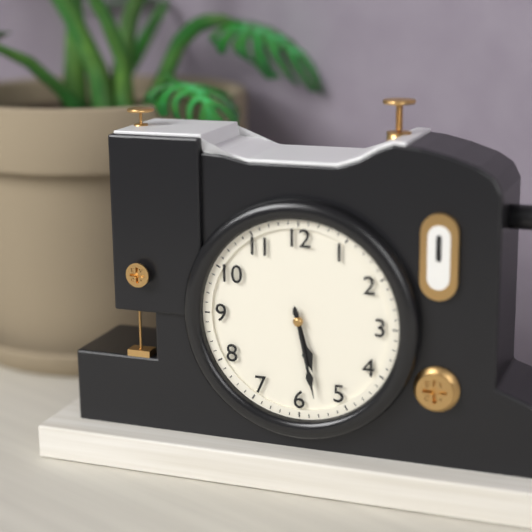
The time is {"hour": 5, "minute": 28}
